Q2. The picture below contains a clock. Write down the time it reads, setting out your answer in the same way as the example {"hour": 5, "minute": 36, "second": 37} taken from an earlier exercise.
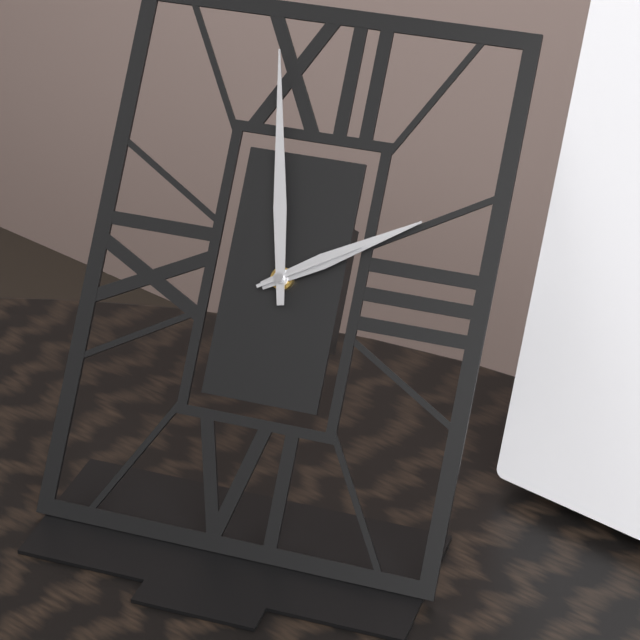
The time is {"hour": 1, "minute": 58, "second": 10}
